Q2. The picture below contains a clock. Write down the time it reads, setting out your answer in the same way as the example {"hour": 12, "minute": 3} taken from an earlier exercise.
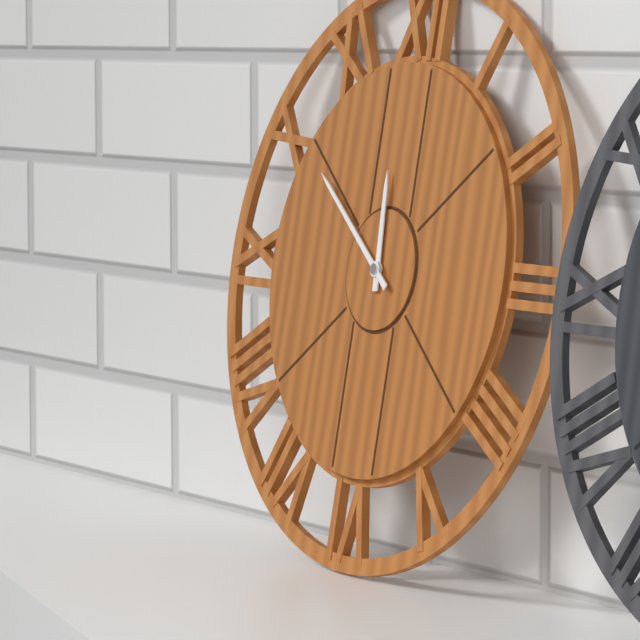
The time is {"hour": 11, "minute": 51}
